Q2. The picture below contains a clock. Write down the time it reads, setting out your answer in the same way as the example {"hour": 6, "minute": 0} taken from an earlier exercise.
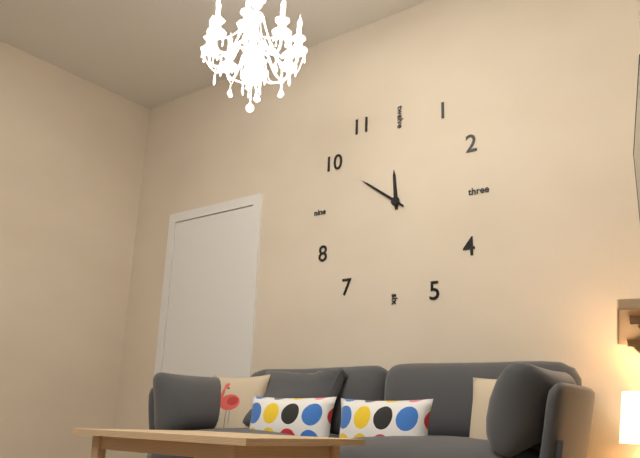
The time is {"hour": 11, "minute": 51}
